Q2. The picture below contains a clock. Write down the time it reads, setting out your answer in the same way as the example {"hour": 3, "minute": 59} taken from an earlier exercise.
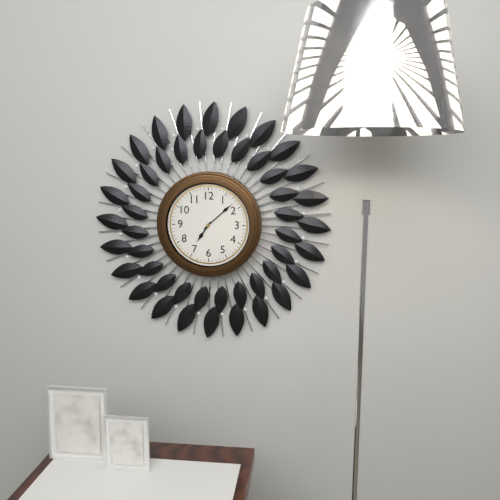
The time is {"hour": 7, "minute": 8}
